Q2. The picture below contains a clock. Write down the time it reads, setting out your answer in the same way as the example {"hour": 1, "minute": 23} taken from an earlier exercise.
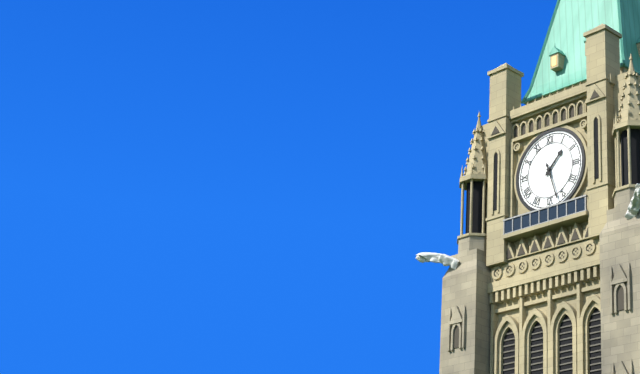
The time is {"hour": 1, "minute": 27}
